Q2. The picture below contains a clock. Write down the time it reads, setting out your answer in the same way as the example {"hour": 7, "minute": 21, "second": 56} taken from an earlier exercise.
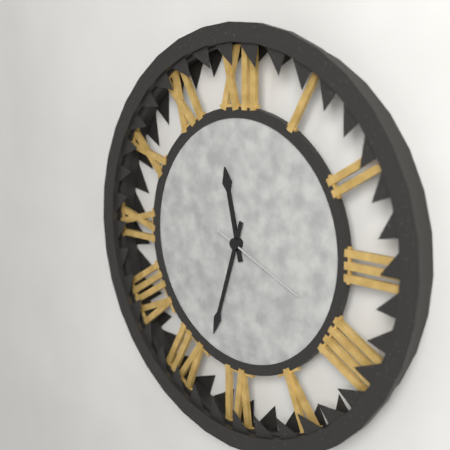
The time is {"hour": 11, "minute": 33, "second": 19}
